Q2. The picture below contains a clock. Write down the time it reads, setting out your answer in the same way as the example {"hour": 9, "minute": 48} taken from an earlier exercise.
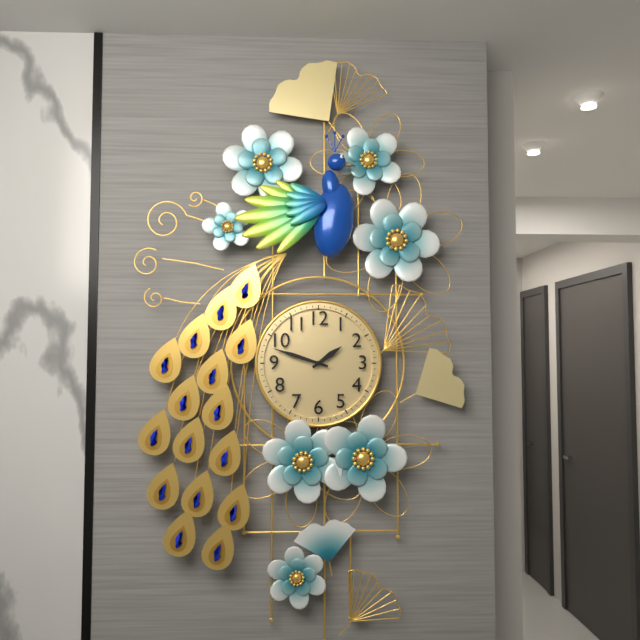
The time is {"hour": 1, "minute": 48}
